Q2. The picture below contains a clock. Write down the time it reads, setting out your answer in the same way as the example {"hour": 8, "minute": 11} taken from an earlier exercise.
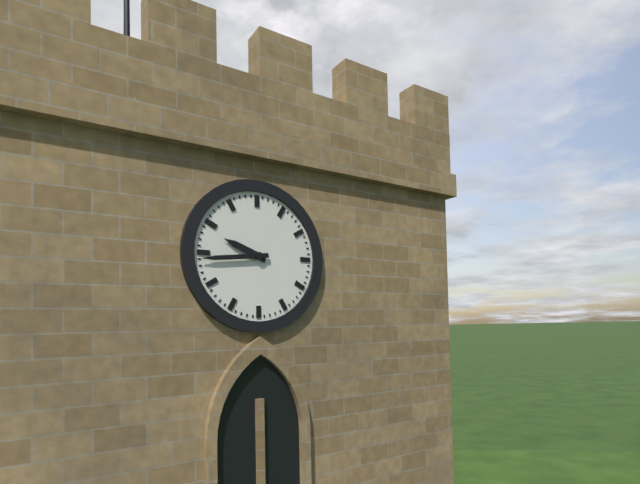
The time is {"hour": 9, "minute": 44}
